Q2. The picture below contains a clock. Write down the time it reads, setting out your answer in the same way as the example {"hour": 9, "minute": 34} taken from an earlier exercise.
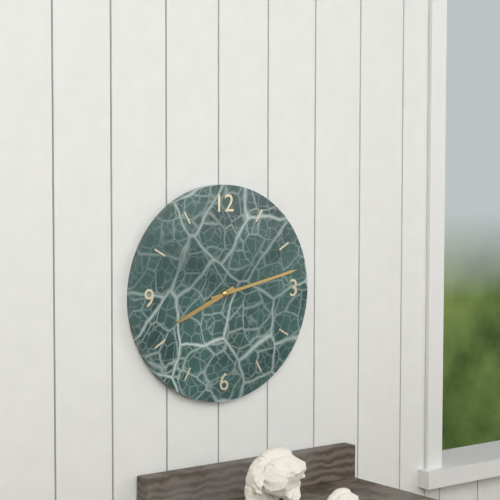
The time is {"hour": 8, "minute": 13}
